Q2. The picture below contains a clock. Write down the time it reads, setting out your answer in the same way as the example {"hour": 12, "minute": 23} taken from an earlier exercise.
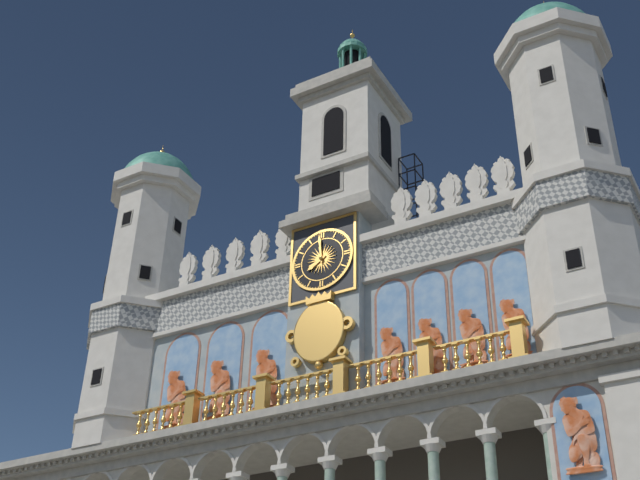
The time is {"hour": 7, "minute": 59}
